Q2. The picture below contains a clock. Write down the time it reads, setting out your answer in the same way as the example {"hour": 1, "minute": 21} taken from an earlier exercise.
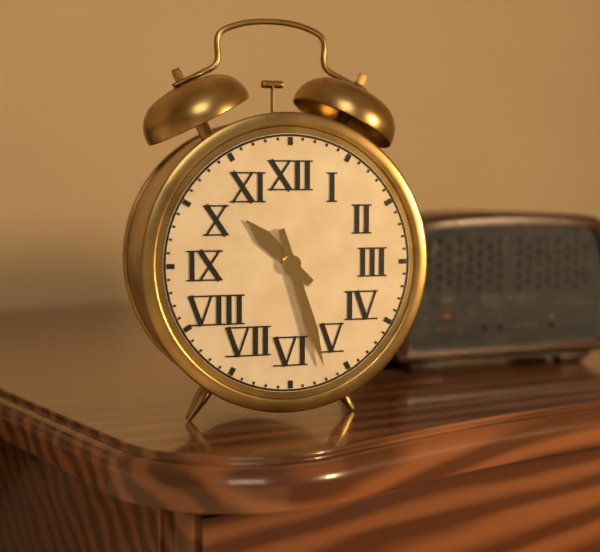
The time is {"hour": 10, "minute": 27}
